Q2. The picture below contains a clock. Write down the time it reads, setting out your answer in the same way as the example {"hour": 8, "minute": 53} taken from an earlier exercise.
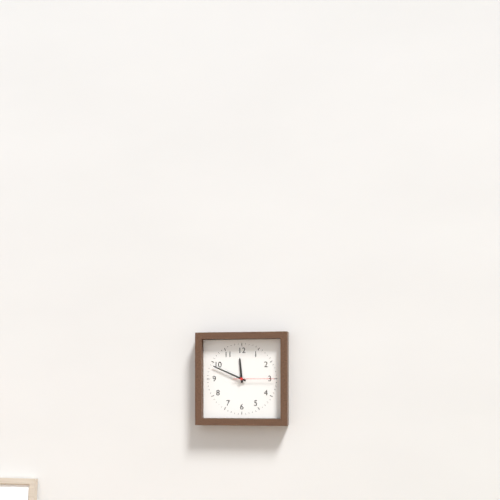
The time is {"hour": 11, "minute": 49}
